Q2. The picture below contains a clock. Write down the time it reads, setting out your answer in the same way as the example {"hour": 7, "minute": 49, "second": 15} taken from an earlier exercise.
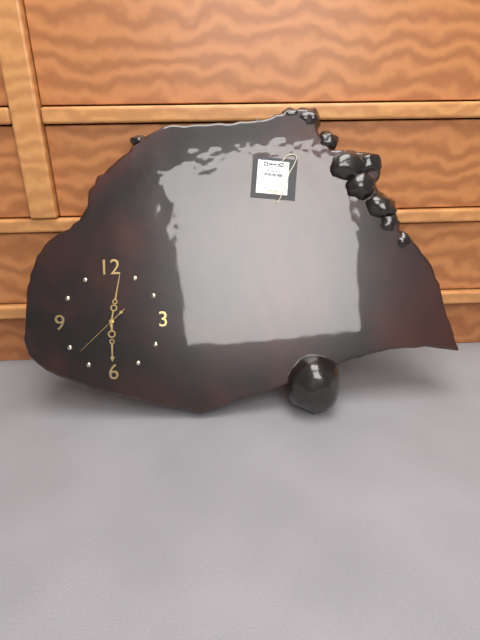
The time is {"hour": 6, "minute": 2, "second": 38}
